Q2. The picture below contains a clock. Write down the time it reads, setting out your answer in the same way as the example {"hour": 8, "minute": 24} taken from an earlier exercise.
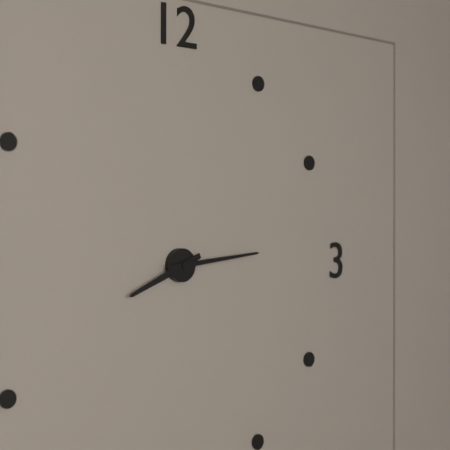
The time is {"hour": 8, "minute": 14}
